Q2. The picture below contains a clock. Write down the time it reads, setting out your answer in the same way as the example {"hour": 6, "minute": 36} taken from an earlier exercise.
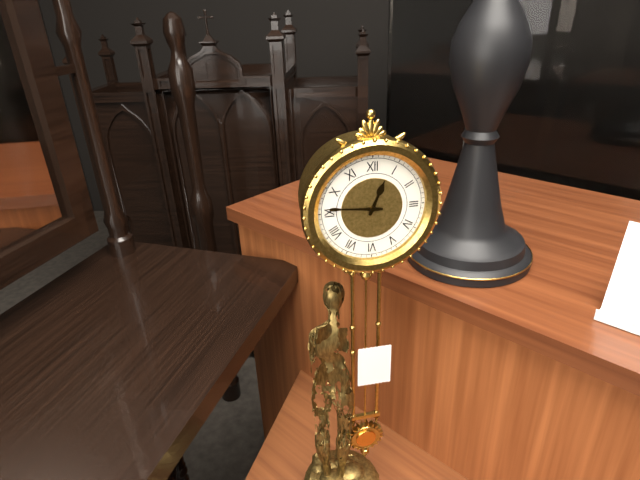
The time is {"hour": 12, "minute": 46}
